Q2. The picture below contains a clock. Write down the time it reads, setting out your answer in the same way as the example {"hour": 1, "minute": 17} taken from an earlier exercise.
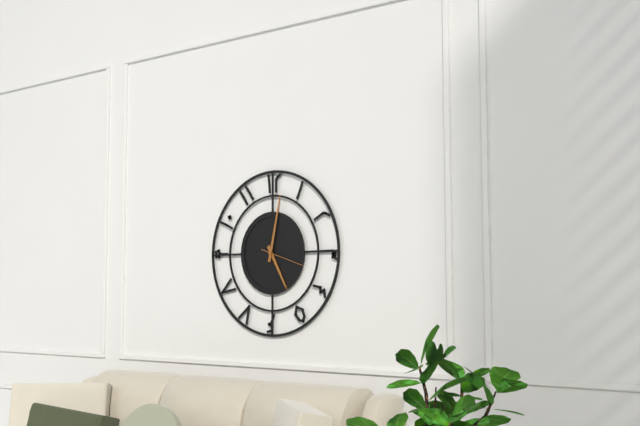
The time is {"hour": 5, "minute": 2}
